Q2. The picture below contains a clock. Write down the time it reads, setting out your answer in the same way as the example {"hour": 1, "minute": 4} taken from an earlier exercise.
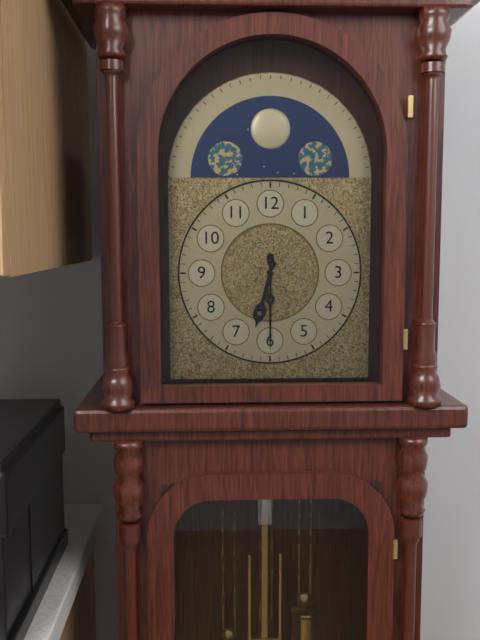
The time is {"hour": 6, "minute": 30}
